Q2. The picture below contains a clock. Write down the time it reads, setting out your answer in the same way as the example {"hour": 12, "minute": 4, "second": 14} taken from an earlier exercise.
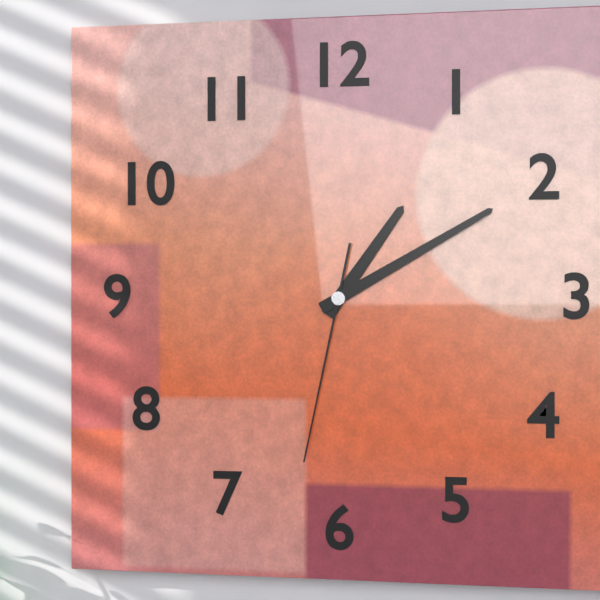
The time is {"hour": 1, "minute": 10, "second": 32}
